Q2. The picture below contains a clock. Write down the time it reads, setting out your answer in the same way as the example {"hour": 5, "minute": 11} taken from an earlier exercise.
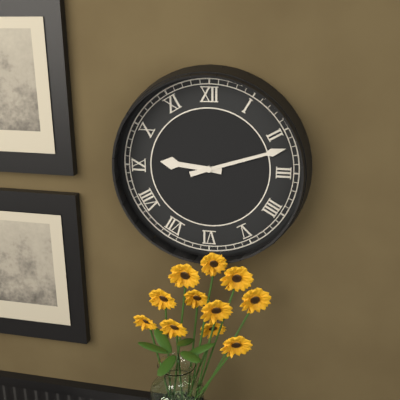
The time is {"hour": 9, "minute": 12}
